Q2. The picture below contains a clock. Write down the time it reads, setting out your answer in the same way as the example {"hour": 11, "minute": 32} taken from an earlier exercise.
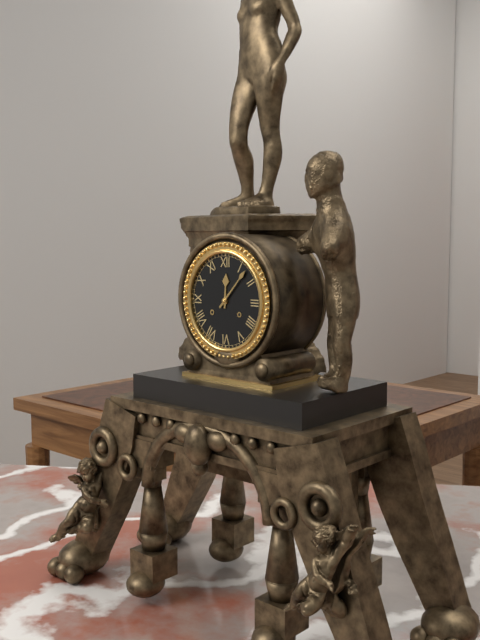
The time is {"hour": 12, "minute": 7}
